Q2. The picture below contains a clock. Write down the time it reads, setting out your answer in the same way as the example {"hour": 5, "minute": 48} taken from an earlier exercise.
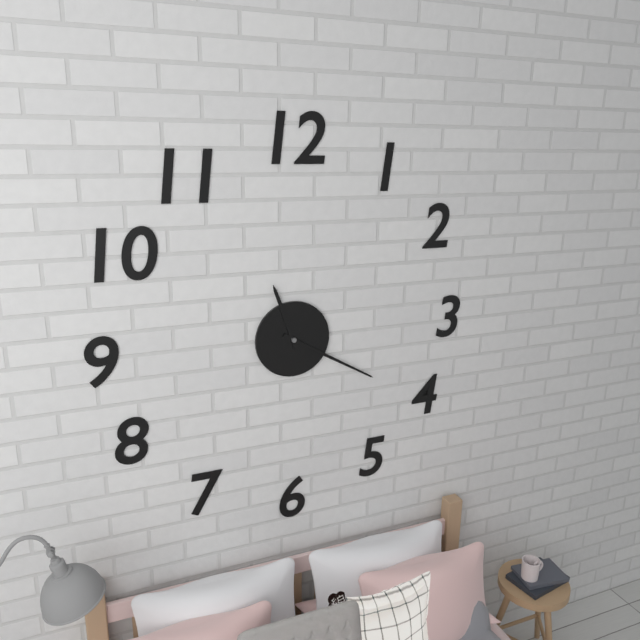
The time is {"hour": 11, "minute": 20}
